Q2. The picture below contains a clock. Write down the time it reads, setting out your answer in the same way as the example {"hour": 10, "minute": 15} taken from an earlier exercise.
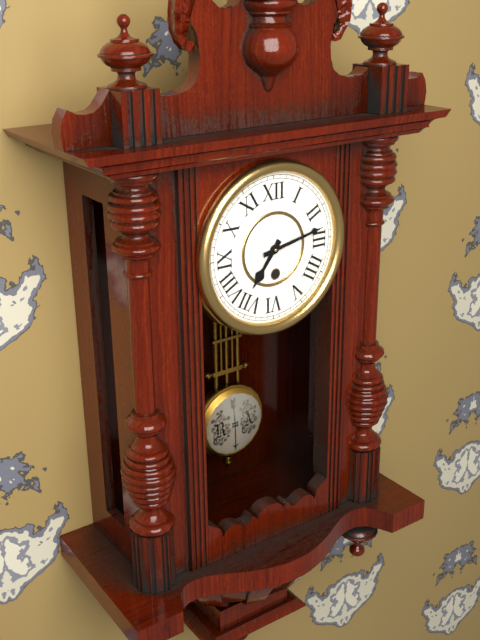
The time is {"hour": 7, "minute": 13}
